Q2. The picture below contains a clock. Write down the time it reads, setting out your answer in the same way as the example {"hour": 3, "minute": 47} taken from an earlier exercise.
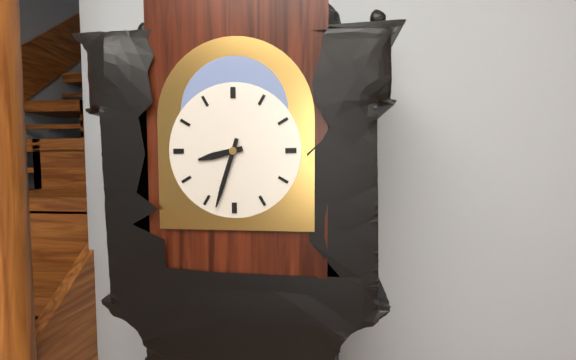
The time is {"hour": 8, "minute": 33}
